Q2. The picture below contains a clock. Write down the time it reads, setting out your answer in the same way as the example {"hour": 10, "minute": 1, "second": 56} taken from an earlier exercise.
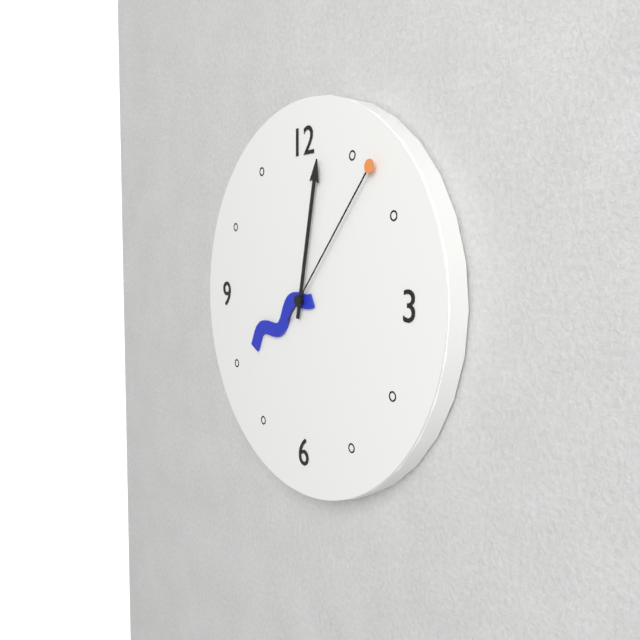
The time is {"hour": 8, "minute": 2, "second": 7}
